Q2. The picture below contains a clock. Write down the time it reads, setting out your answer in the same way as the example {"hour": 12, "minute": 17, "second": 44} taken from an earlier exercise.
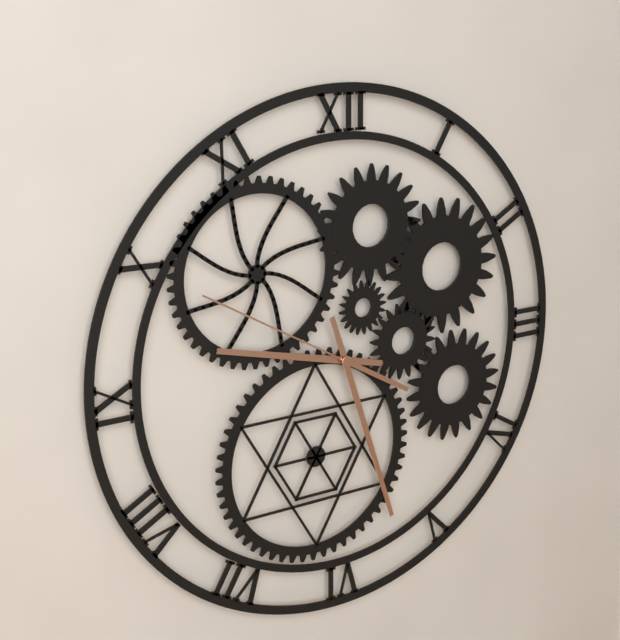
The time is {"hour": 9, "minute": 27, "second": 50}
